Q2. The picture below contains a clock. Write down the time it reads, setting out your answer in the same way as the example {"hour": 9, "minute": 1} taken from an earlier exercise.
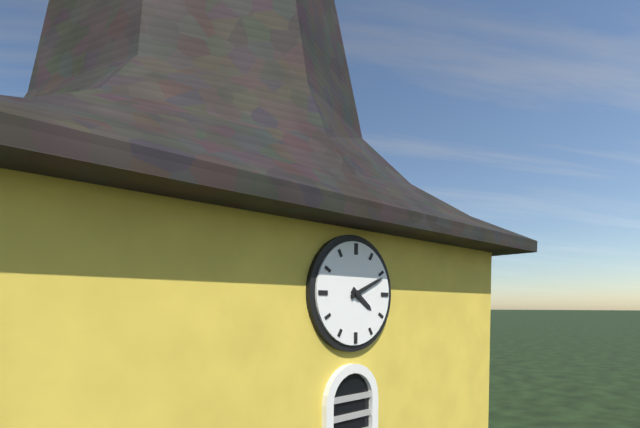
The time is {"hour": 4, "minute": 11}
